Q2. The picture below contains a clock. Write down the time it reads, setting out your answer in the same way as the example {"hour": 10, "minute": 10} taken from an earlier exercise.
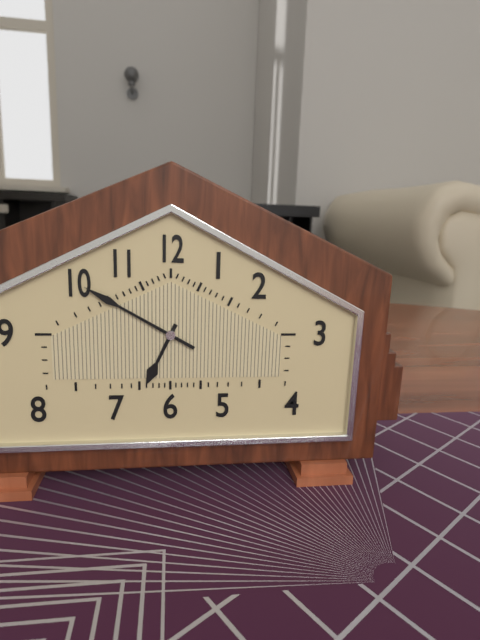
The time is {"hour": 6, "minute": 50}
